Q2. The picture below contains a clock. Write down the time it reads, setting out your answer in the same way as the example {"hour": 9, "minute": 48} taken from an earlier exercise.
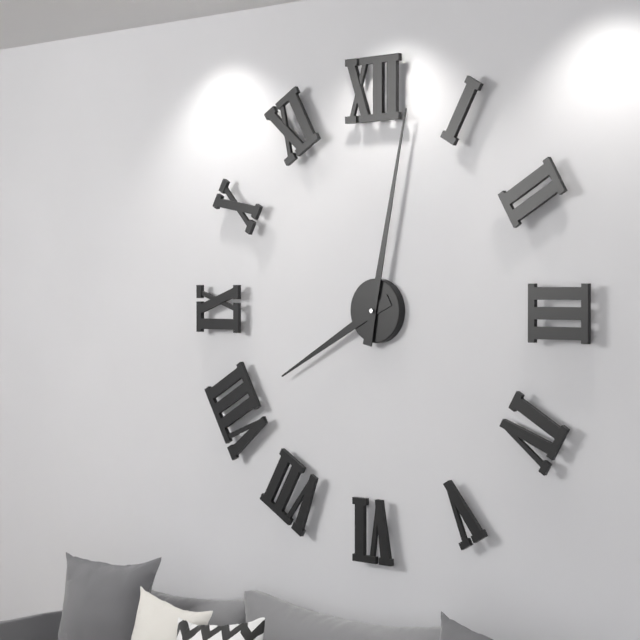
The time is {"hour": 8, "minute": 2}
